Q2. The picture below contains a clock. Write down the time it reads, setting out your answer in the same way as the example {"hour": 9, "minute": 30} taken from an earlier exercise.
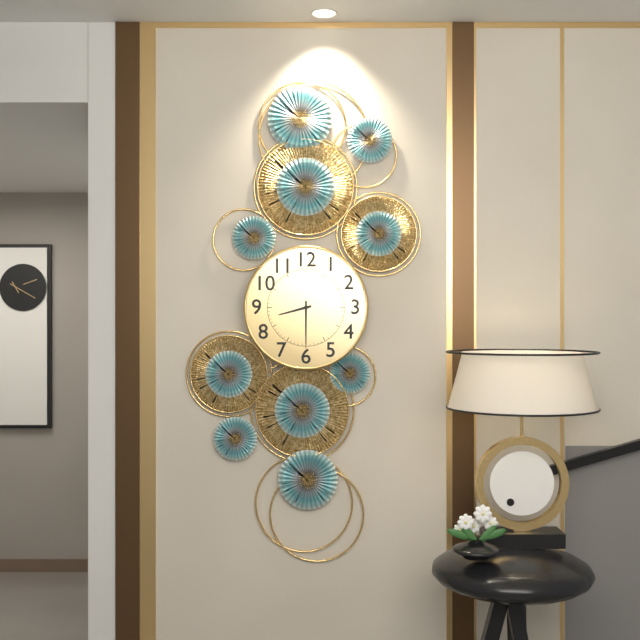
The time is {"hour": 8, "minute": 30}
